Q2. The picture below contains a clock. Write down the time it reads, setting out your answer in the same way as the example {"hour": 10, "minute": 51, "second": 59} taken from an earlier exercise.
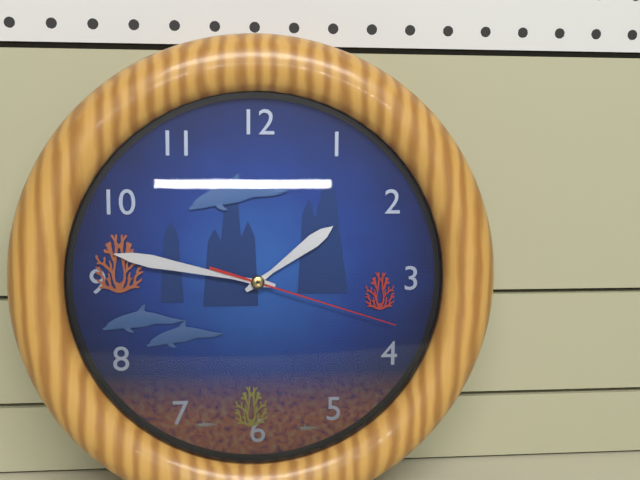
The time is {"hour": 1, "minute": 47, "second": 18}
